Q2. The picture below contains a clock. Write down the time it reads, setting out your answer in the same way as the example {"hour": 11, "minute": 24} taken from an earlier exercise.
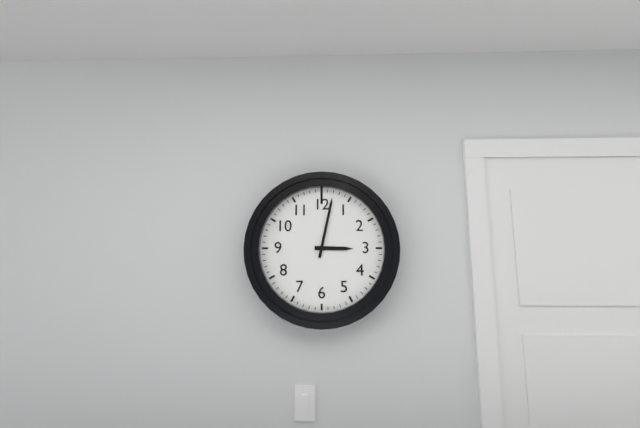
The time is {"hour": 3, "minute": 2}
